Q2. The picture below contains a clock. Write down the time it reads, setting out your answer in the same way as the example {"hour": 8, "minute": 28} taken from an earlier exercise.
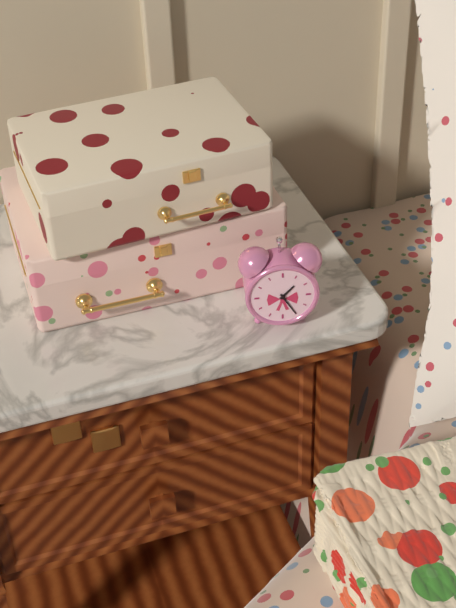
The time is {"hour": 1, "minute": 25}
